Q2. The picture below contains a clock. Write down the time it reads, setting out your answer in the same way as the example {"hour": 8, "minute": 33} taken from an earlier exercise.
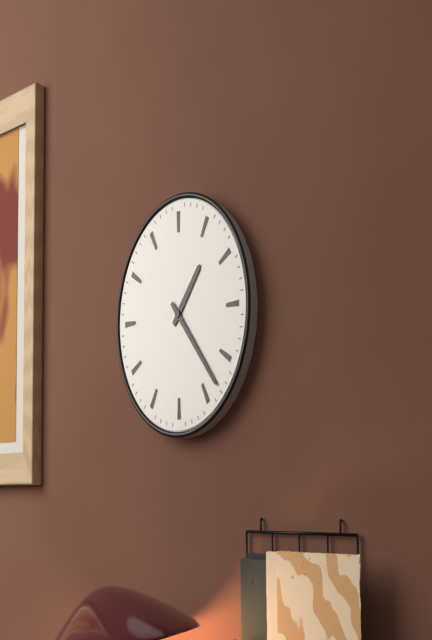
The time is {"hour": 1, "minute": 23}
